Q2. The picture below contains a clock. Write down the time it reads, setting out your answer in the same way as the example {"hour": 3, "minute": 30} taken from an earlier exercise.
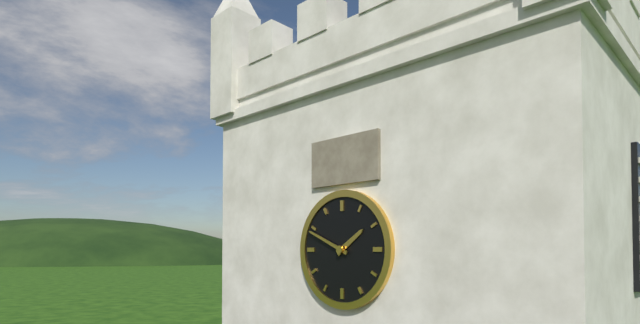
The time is {"hour": 1, "minute": 49}
